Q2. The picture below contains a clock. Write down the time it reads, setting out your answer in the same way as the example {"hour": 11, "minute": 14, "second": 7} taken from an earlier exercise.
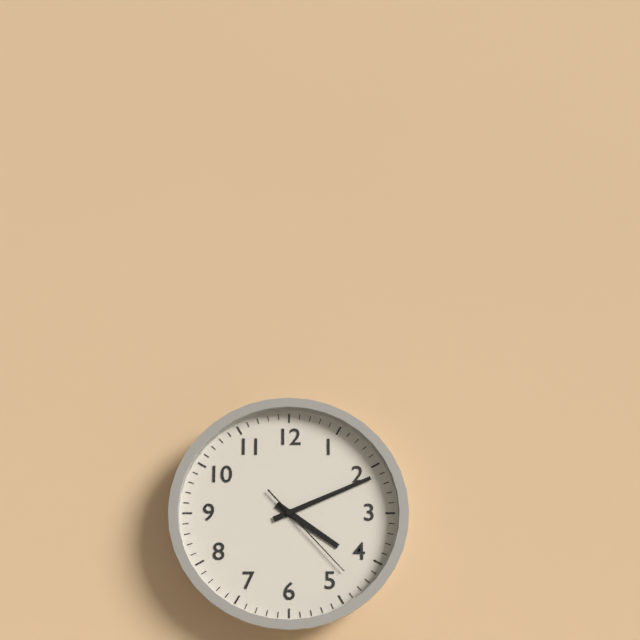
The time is {"hour": 4, "minute": 11, "second": 23}
